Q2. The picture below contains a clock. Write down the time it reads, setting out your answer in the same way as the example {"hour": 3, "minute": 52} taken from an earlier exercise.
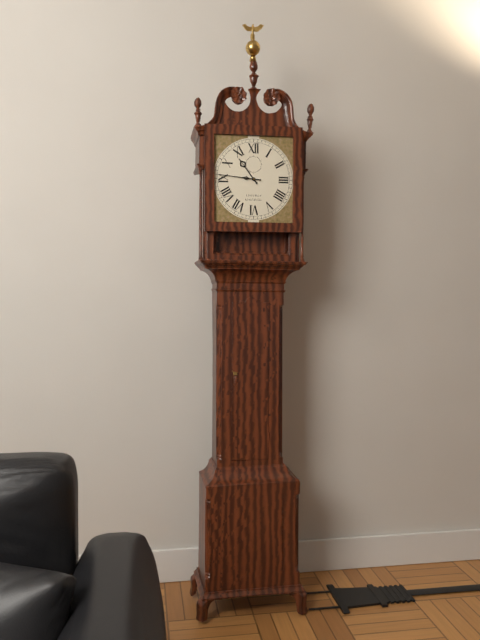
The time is {"hour": 10, "minute": 46}
